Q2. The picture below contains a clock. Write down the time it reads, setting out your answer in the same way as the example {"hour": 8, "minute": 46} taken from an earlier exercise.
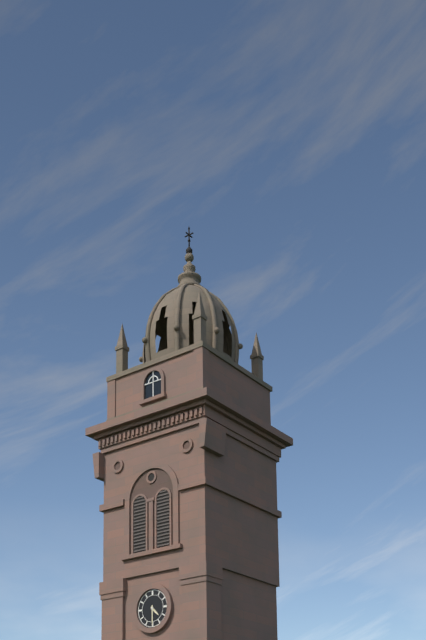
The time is {"hour": 4, "minute": 30}
